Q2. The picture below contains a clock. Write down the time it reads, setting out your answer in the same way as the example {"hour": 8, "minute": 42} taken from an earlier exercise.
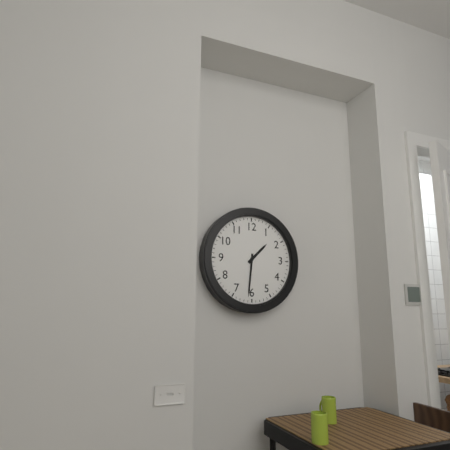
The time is {"hour": 1, "minute": 31}
